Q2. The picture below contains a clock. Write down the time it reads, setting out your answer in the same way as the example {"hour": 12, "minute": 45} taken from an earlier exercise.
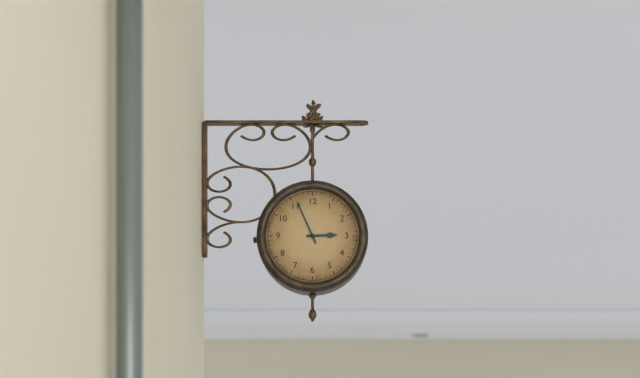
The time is {"hour": 2, "minute": 56}
